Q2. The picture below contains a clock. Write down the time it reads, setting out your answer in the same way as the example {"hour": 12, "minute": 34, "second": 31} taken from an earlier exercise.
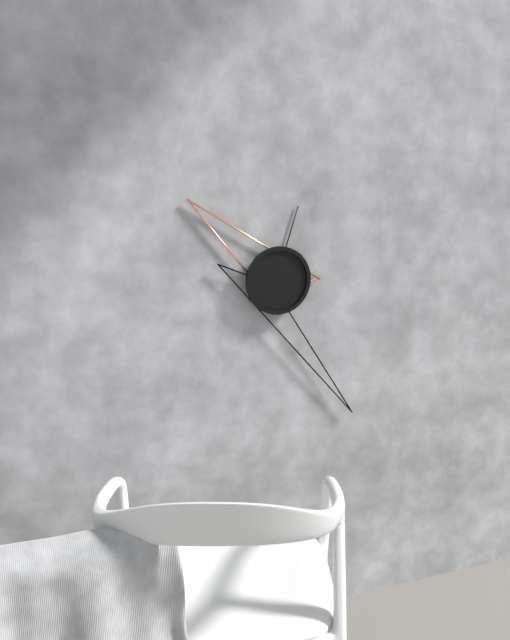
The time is {"hour": 10, "minute": 25, "second": 3}
